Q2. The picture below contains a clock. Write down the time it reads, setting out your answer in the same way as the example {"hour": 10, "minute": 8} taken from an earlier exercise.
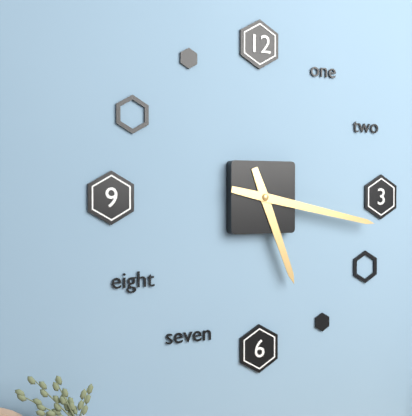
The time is {"hour": 5, "minute": 17}
